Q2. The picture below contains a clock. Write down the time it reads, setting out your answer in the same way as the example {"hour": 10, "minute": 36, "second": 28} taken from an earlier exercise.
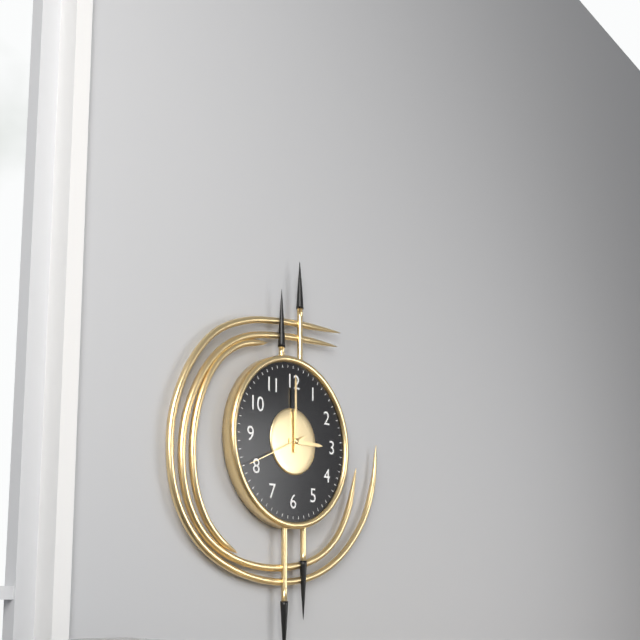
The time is {"hour": 3, "minute": 0, "second": 41}
